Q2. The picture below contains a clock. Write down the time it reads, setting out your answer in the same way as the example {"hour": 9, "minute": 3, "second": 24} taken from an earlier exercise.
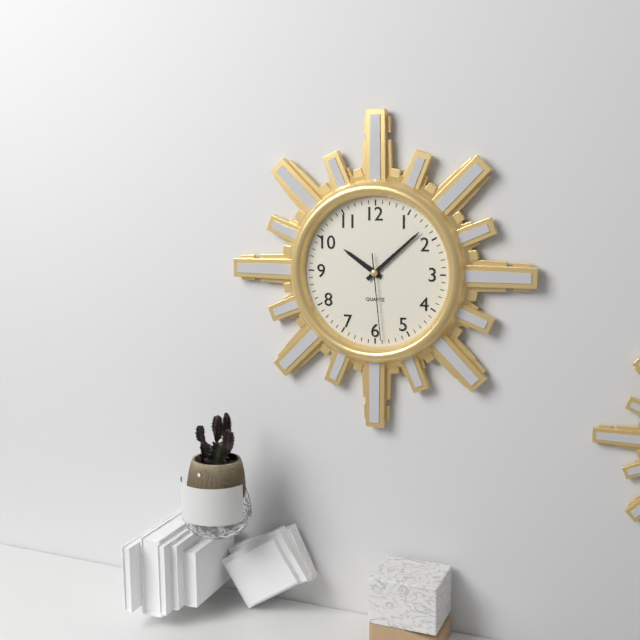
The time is {"hour": 10, "minute": 8, "second": 29}
